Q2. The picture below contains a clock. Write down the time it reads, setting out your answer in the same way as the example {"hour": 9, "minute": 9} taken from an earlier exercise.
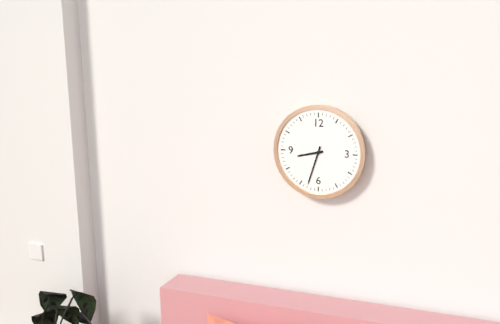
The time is {"hour": 8, "minute": 33}
